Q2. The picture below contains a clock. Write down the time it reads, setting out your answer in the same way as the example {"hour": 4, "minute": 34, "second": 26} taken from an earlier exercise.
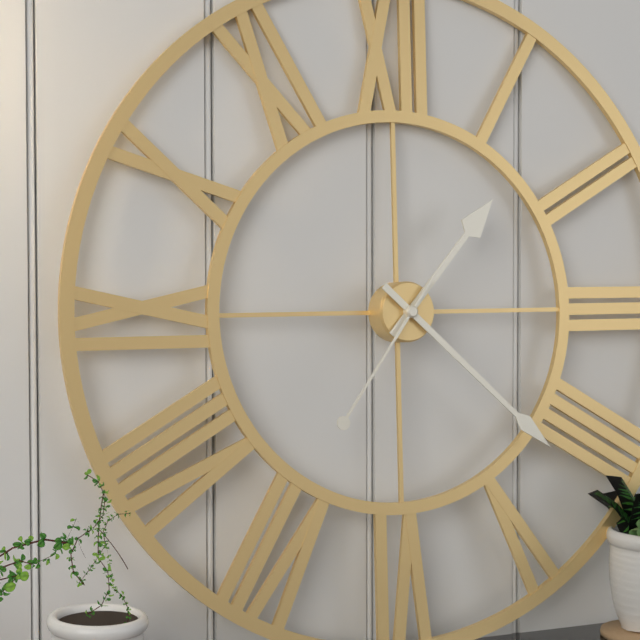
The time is {"hour": 1, "minute": 22, "second": 36}
